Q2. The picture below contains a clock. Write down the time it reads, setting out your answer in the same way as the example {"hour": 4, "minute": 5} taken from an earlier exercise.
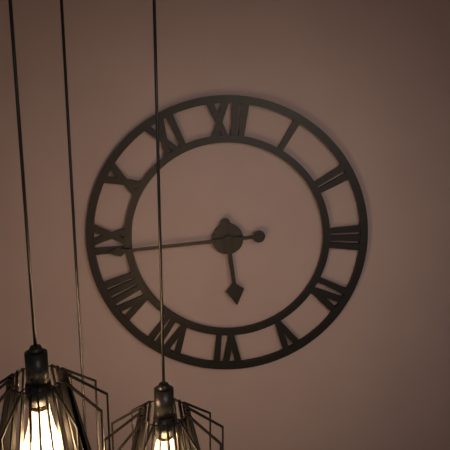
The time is {"hour": 5, "minute": 44}
